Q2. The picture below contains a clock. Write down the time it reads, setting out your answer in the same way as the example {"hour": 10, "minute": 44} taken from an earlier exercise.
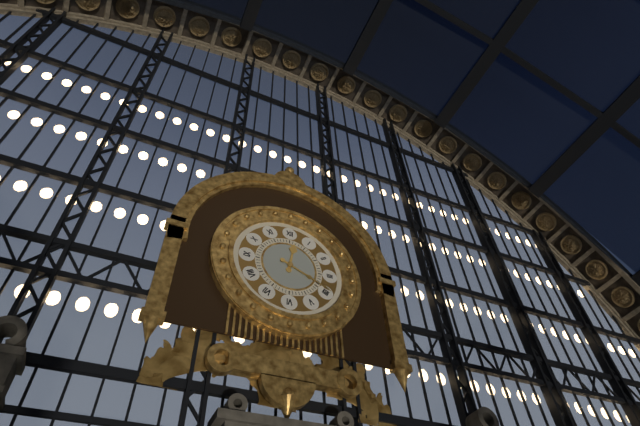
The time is {"hour": 12, "minute": 19}
